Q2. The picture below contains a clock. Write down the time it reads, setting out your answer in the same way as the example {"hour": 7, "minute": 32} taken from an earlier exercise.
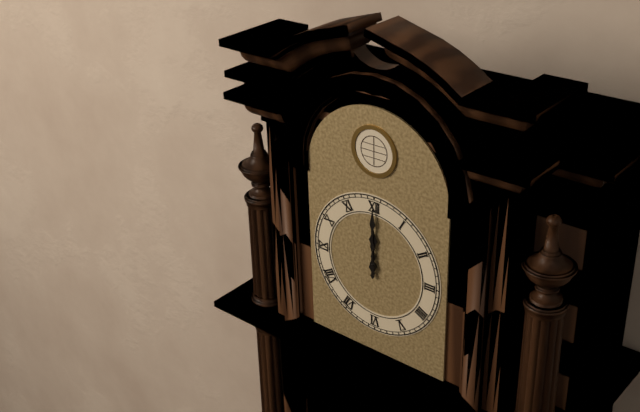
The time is {"hour": 12, "minute": 0}
